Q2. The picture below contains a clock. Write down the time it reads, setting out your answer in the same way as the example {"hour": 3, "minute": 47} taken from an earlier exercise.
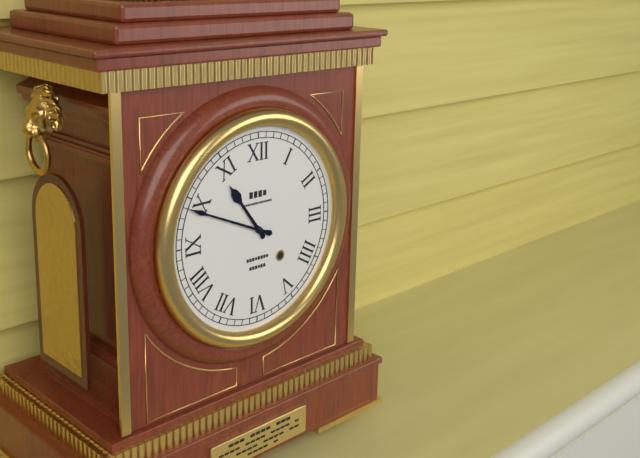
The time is {"hour": 10, "minute": 49}
